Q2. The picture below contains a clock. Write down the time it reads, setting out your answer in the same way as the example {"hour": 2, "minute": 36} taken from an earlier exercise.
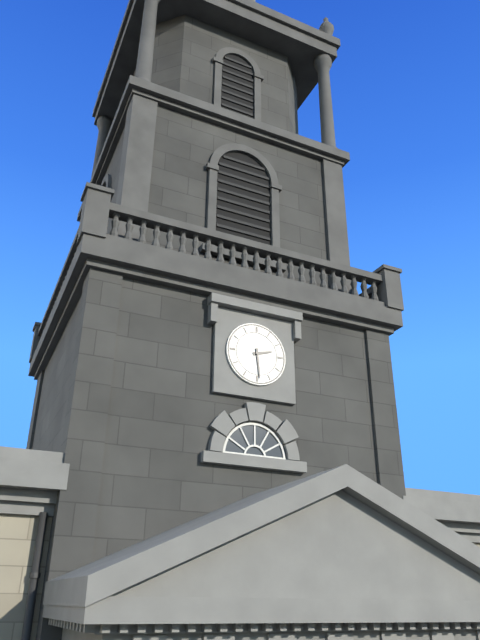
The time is {"hour": 2, "minute": 29}
